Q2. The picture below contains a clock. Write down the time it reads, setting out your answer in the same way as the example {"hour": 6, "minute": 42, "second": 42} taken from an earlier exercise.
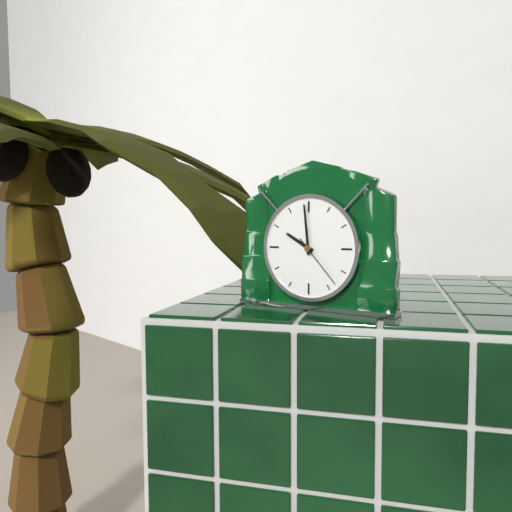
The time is {"hour": 9, "minute": 59, "second": 23}
